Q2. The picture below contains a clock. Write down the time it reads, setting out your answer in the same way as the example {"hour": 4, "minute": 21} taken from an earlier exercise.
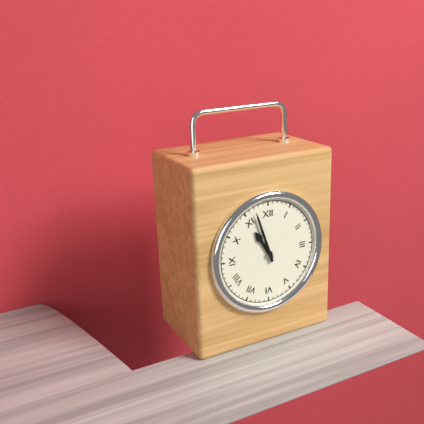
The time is {"hour": 10, "minute": 57}
